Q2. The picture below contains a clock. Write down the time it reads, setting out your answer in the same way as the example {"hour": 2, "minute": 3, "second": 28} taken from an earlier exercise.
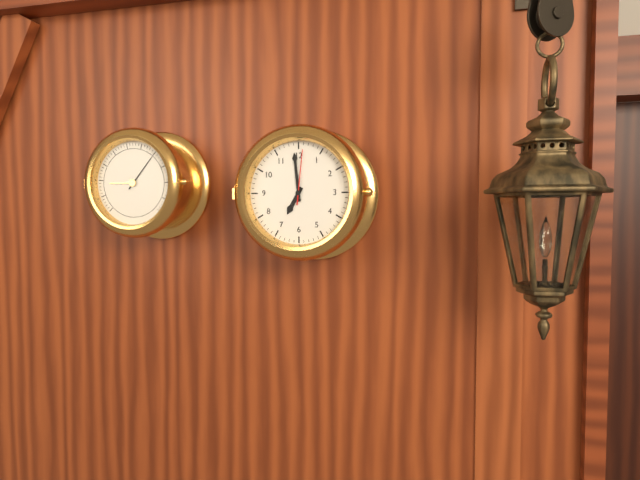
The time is {"hour": 6, "minute": 59, "second": 1}
